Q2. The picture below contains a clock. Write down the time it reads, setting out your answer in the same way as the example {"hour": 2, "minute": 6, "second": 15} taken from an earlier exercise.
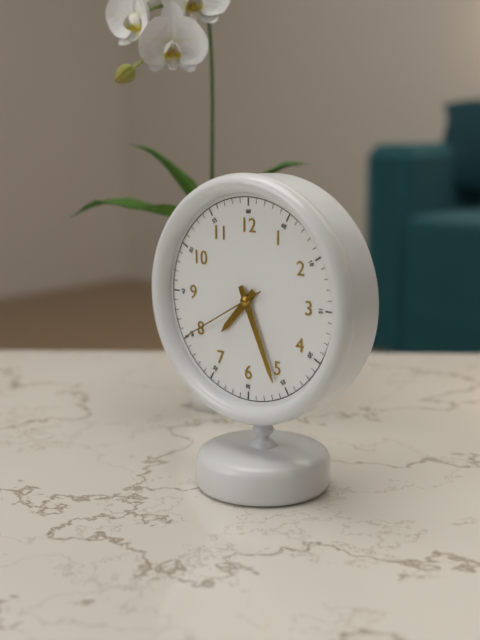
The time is {"hour": 7, "minute": 26, "second": 40}
